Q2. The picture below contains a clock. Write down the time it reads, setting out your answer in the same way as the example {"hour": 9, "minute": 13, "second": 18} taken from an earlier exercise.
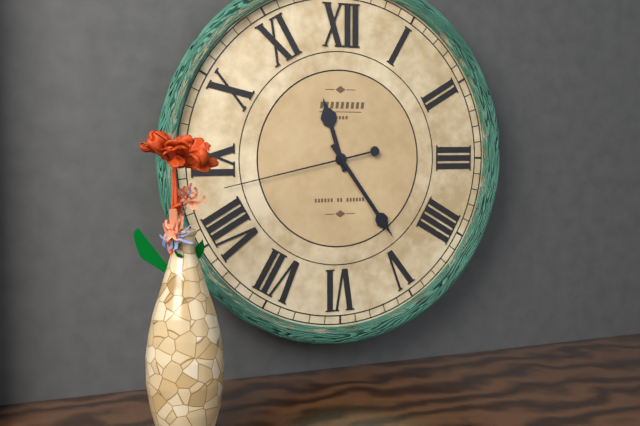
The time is {"hour": 11, "minute": 24, "second": 43}
